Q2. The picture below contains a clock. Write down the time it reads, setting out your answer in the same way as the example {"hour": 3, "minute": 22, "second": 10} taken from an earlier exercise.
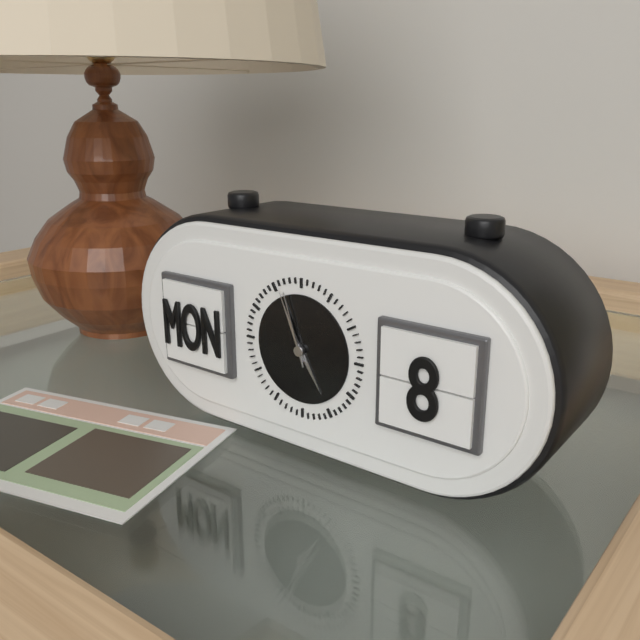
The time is {"hour": 4, "minute": 56, "second": 57}
